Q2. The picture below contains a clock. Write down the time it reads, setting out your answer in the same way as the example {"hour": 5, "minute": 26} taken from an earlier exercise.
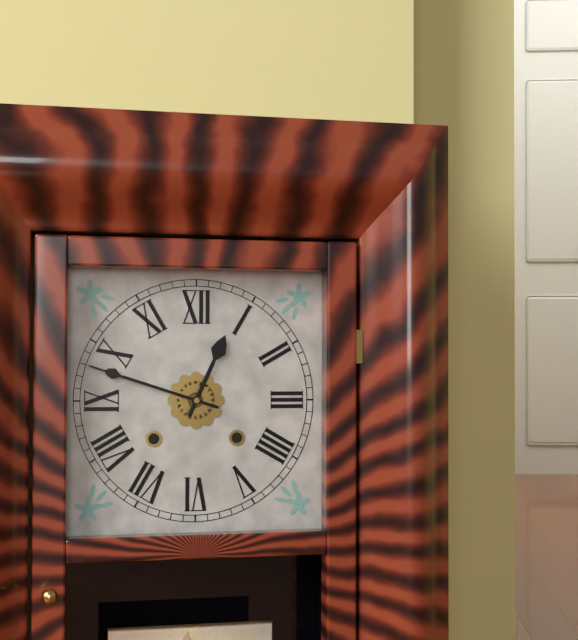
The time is {"hour": 12, "minute": 48}
